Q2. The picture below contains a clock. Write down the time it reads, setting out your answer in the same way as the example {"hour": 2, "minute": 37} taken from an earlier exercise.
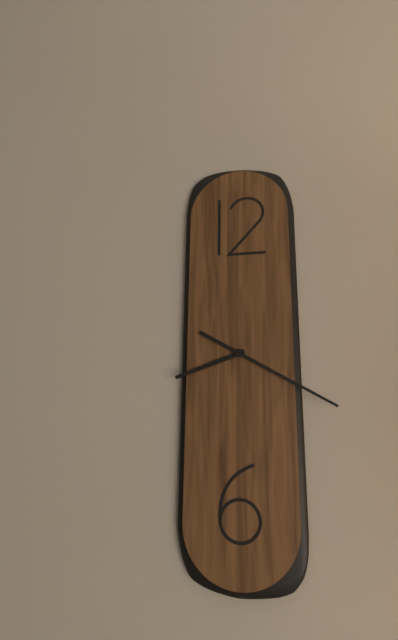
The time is {"hour": 8, "minute": 20}
